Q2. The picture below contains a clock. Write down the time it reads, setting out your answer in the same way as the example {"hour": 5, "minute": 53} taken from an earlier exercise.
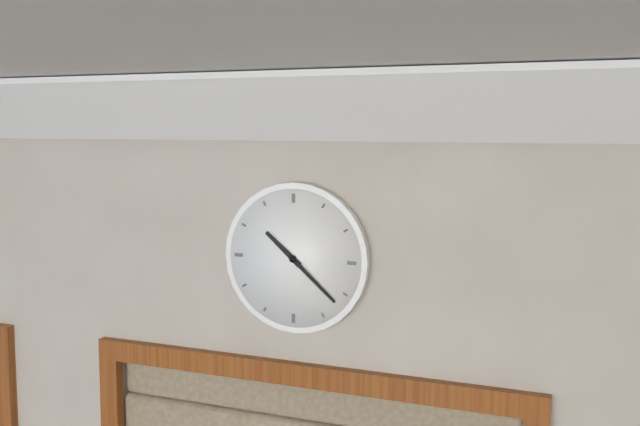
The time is {"hour": 10, "minute": 22}
